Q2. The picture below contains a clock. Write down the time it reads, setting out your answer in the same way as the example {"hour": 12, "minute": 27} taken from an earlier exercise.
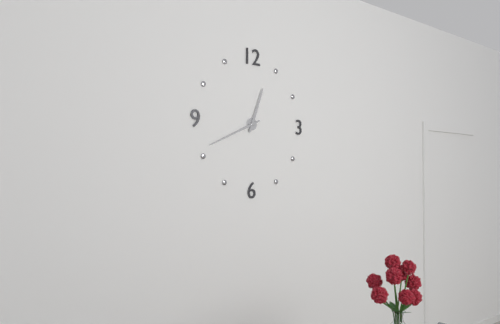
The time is {"hour": 12, "minute": 41}
